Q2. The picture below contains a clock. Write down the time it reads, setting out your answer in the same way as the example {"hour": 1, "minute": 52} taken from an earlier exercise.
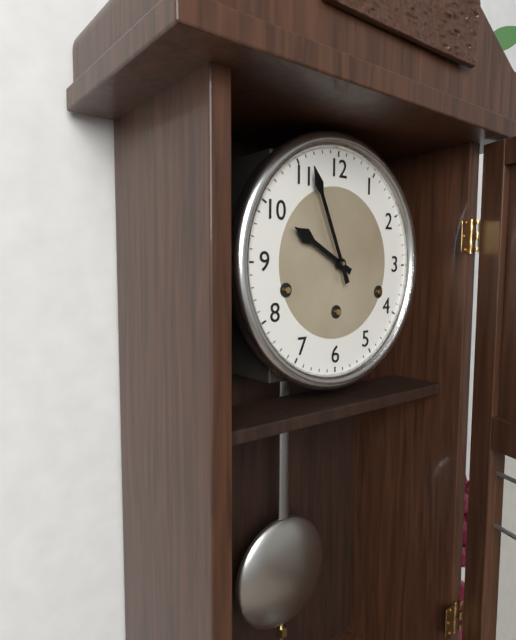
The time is {"hour": 9, "minute": 56}
